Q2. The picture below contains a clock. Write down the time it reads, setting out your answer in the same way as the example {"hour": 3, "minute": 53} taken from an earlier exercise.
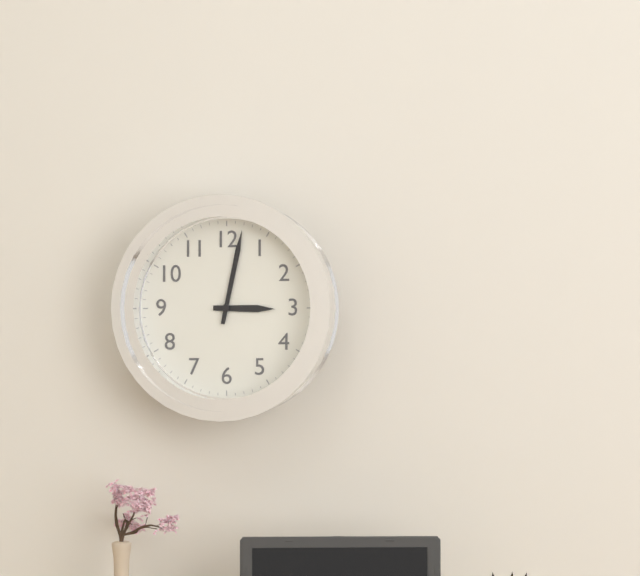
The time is {"hour": 3, "minute": 2}
